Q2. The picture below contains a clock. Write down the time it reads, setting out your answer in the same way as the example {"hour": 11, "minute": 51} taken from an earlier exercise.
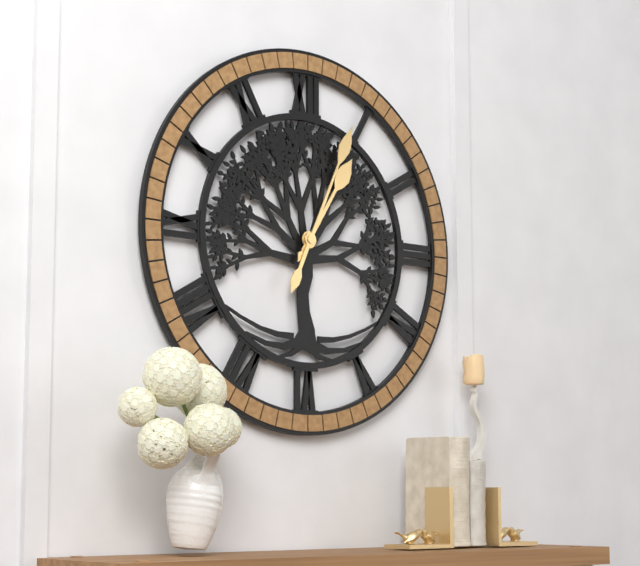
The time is {"hour": 1, "minute": 4}
